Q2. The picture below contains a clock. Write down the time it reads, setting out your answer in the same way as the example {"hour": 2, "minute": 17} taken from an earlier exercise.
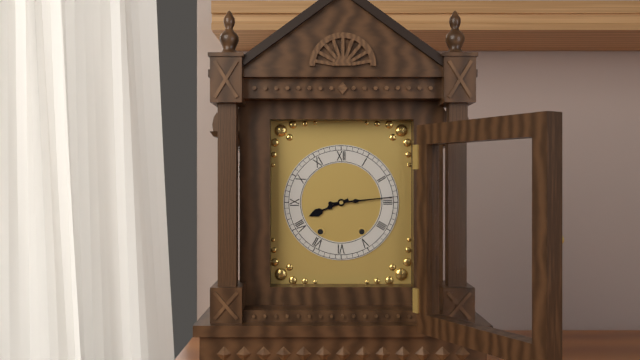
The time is {"hour": 8, "minute": 14}
